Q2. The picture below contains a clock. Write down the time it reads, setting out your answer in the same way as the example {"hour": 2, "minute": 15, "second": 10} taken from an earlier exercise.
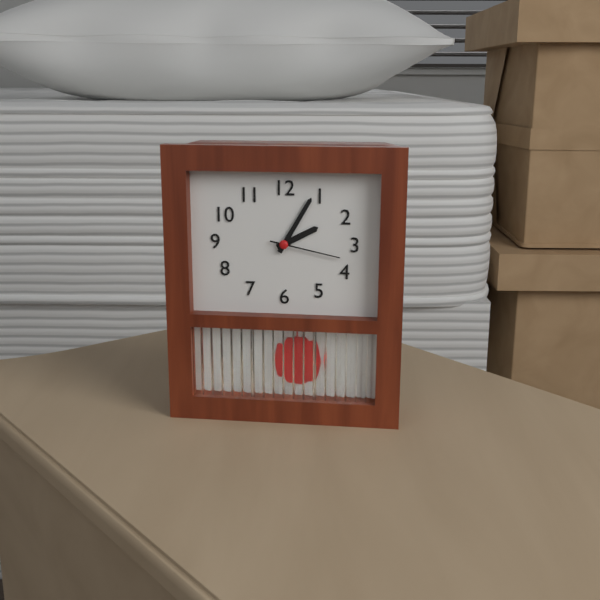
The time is {"hour": 2, "minute": 5, "second": 17}
